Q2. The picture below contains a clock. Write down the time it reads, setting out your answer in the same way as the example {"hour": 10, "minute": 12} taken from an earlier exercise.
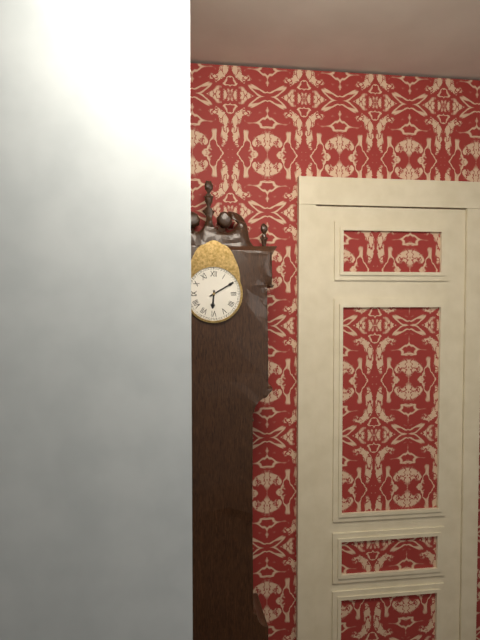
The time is {"hour": 6, "minute": 10}
